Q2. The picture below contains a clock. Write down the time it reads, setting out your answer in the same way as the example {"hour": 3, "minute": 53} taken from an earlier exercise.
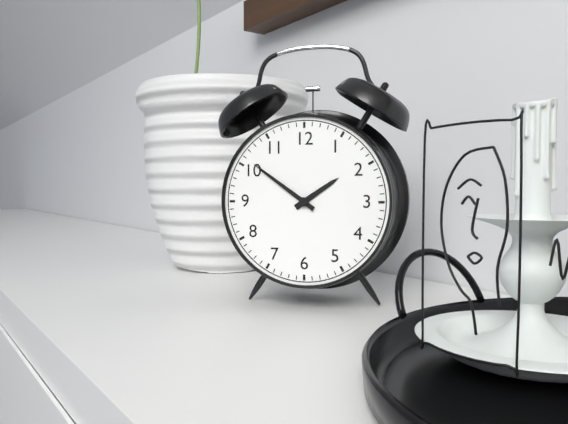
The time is {"hour": 1, "minute": 51}
